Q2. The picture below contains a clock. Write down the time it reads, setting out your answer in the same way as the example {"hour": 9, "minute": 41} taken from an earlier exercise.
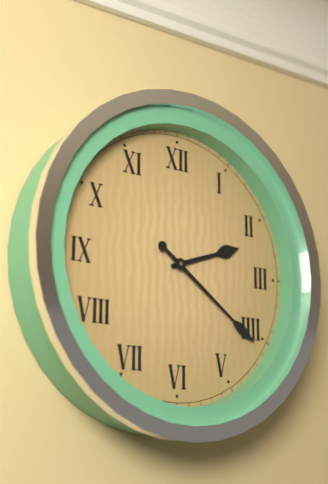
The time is {"hour": 2, "minute": 21}
